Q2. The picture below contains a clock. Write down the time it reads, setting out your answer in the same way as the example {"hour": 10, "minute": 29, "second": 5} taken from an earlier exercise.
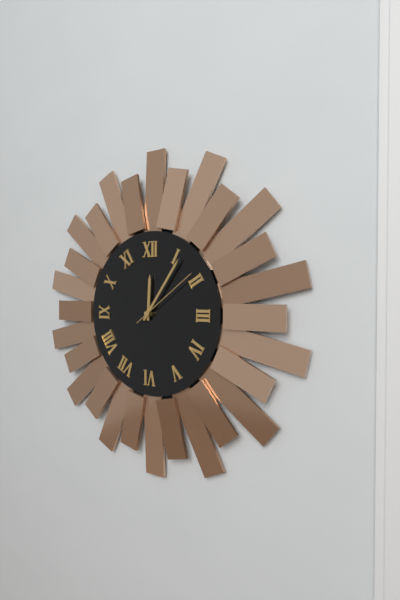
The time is {"hour": 12, "minute": 6, "second": 9}
